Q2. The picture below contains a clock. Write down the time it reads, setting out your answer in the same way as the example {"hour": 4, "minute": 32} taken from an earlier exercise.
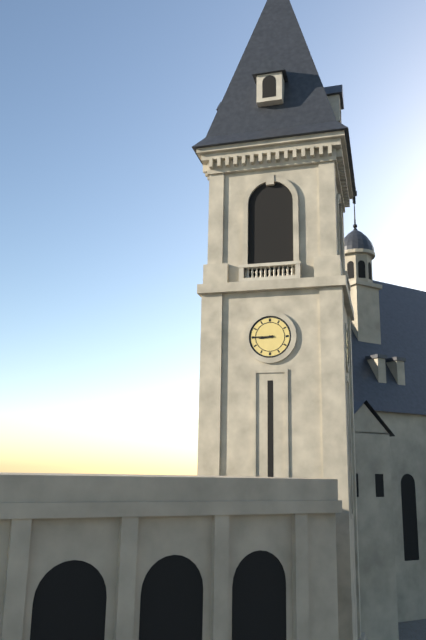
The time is {"hour": 8, "minute": 45}
